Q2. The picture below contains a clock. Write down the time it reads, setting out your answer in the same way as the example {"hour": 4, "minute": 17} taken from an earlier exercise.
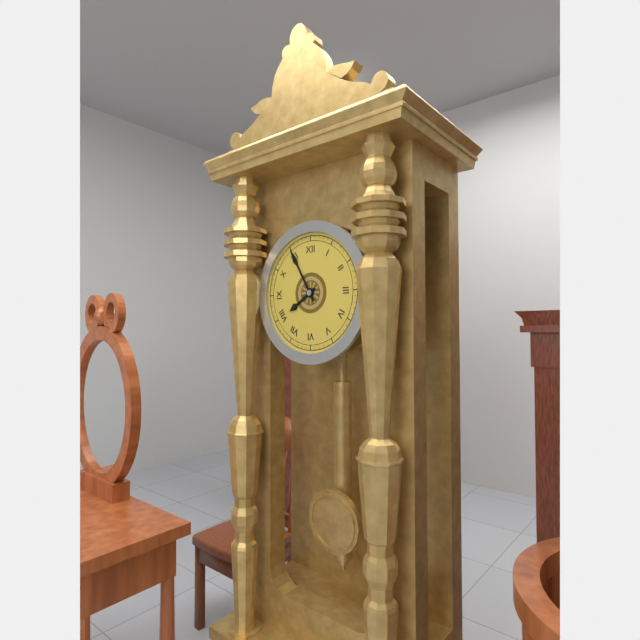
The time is {"hour": 7, "minute": 55}
